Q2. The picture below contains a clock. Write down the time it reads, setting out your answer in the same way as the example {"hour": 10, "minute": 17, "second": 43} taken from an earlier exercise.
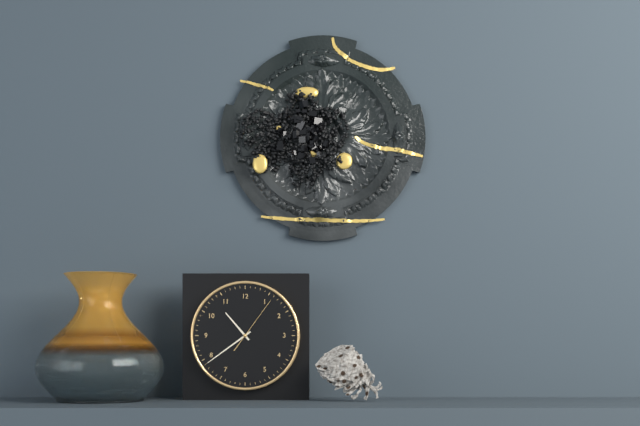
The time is {"hour": 10, "minute": 39, "second": 6}
